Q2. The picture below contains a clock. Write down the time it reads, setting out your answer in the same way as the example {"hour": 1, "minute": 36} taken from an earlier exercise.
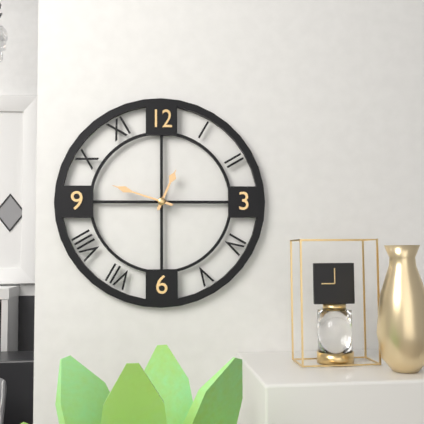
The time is {"hour": 12, "minute": 48}
